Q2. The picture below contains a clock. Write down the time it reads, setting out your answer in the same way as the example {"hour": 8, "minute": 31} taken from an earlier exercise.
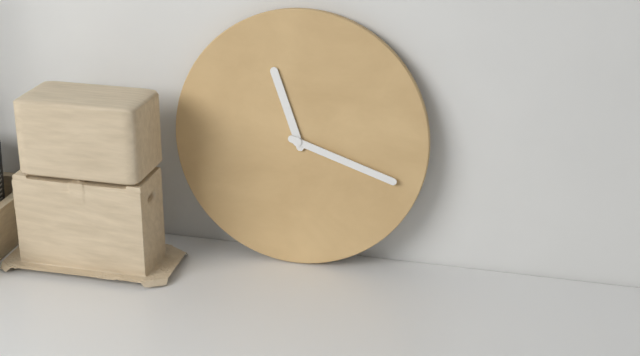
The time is {"hour": 11, "minute": 18}
